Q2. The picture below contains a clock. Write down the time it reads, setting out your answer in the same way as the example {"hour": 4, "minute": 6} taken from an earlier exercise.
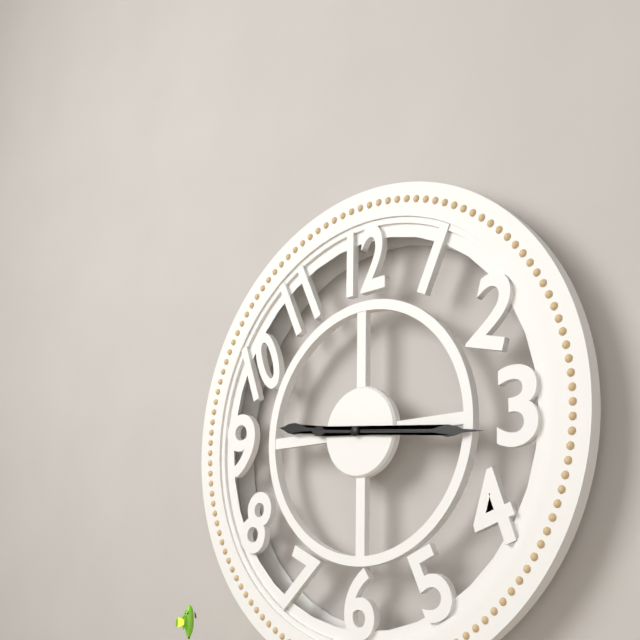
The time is {"hour": 9, "minute": 16}
